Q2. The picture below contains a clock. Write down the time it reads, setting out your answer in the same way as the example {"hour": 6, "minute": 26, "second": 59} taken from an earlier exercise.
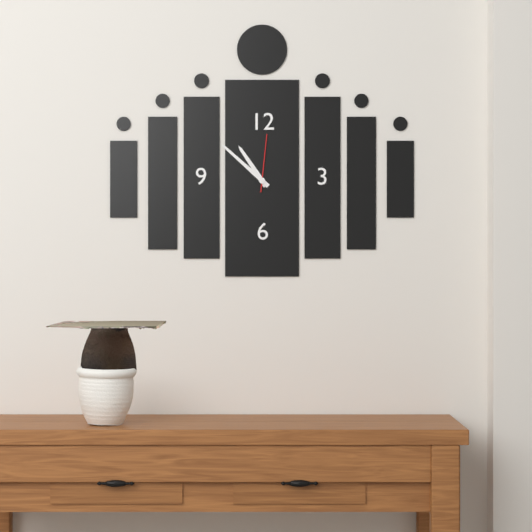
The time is {"hour": 10, "minute": 52, "second": 1}
